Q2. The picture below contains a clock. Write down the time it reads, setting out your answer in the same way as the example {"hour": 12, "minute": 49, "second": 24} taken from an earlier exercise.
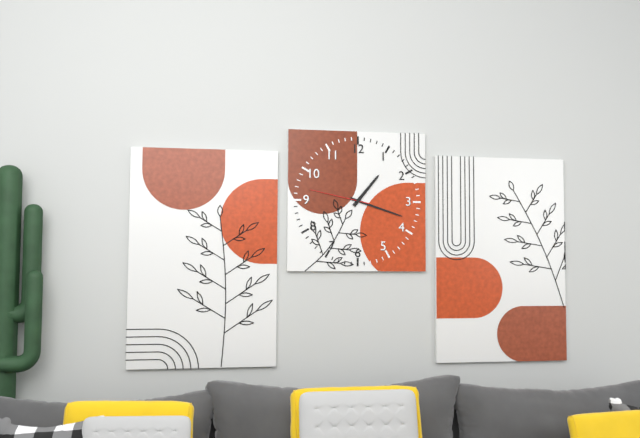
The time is {"hour": 1, "minute": 18, "second": 47}
